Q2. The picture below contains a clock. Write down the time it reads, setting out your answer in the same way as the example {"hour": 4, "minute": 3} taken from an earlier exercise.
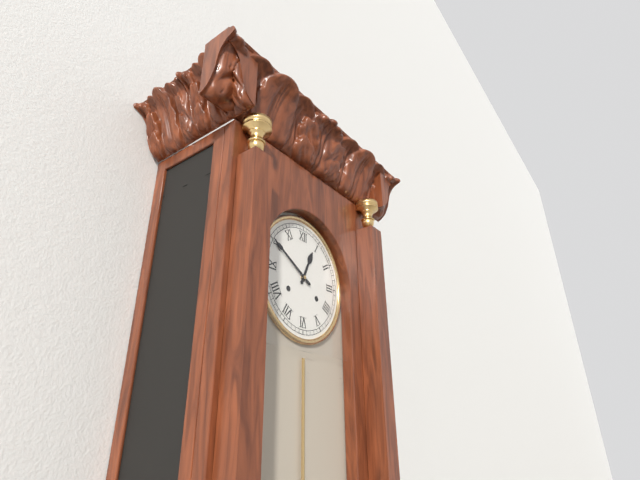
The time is {"hour": 12, "minute": 50}
